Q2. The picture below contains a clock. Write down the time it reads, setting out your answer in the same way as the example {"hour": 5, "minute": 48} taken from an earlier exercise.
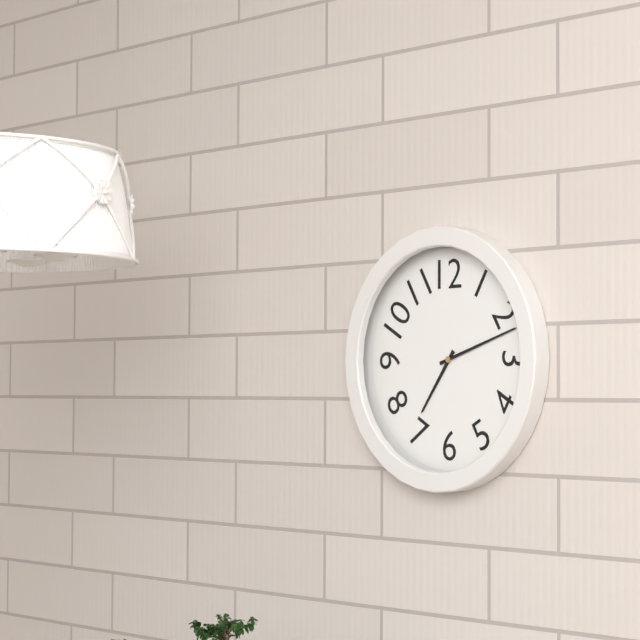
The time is {"hour": 7, "minute": 12}
